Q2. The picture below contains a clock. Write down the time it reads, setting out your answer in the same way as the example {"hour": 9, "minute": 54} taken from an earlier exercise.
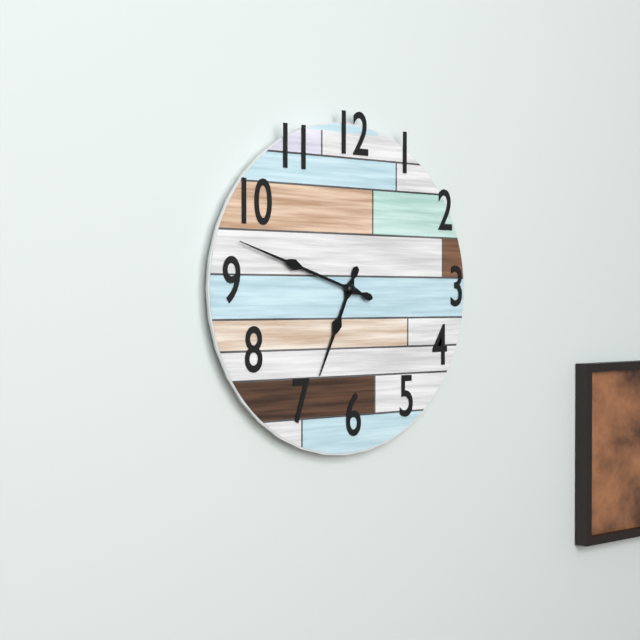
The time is {"hour": 6, "minute": 48}
